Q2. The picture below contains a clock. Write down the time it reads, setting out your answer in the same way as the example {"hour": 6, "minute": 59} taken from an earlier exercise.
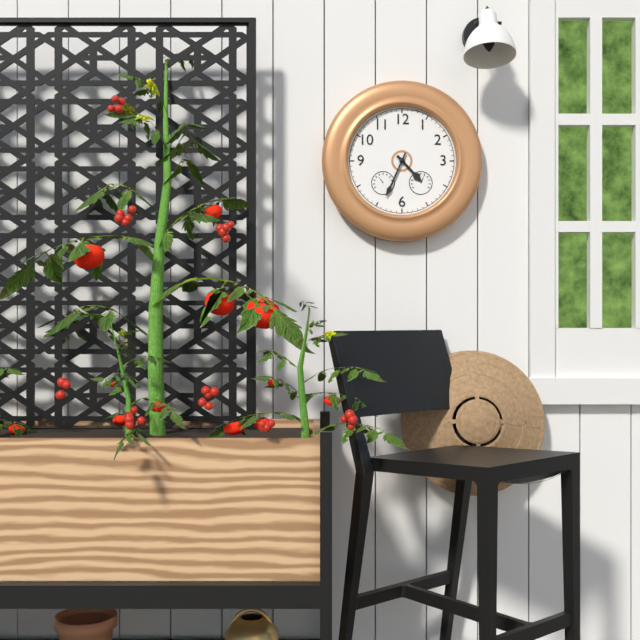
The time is {"hour": 4, "minute": 34}
